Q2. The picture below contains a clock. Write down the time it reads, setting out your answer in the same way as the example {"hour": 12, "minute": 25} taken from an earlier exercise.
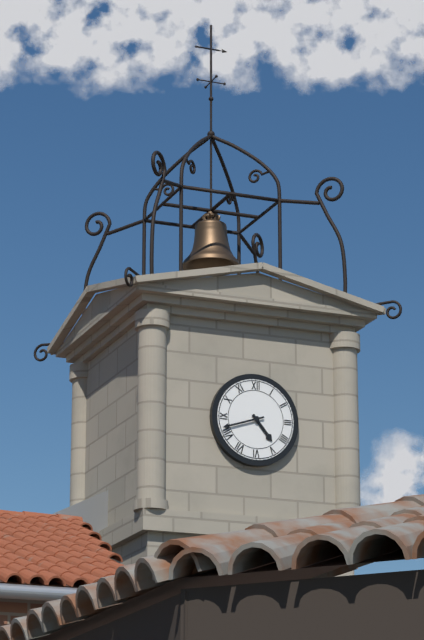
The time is {"hour": 4, "minute": 42}
